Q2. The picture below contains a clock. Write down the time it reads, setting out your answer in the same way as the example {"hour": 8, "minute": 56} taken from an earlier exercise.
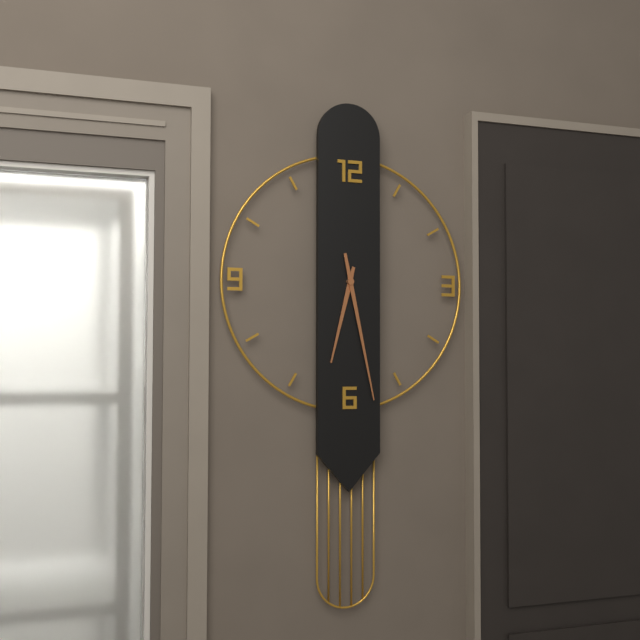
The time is {"hour": 6, "minute": 28}
